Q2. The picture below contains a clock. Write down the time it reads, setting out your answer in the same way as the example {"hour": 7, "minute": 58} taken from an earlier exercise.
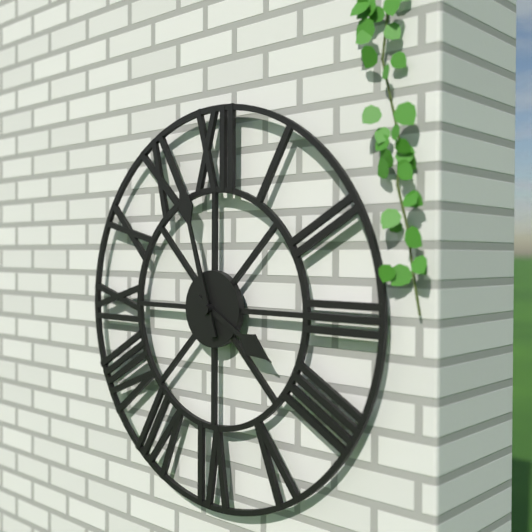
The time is {"hour": 3, "minute": 57}
